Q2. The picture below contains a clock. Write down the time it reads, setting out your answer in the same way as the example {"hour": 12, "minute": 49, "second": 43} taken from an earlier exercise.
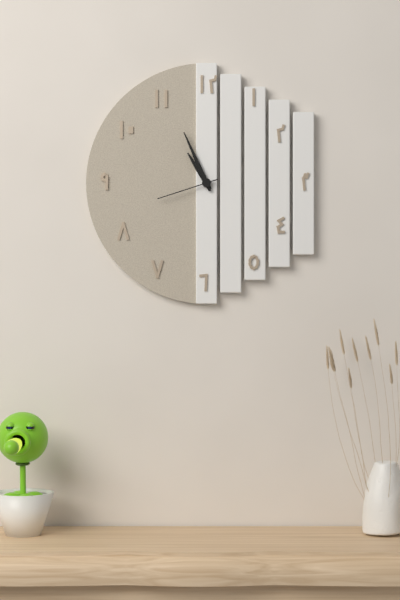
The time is {"hour": 10, "minute": 56, "second": 42}
